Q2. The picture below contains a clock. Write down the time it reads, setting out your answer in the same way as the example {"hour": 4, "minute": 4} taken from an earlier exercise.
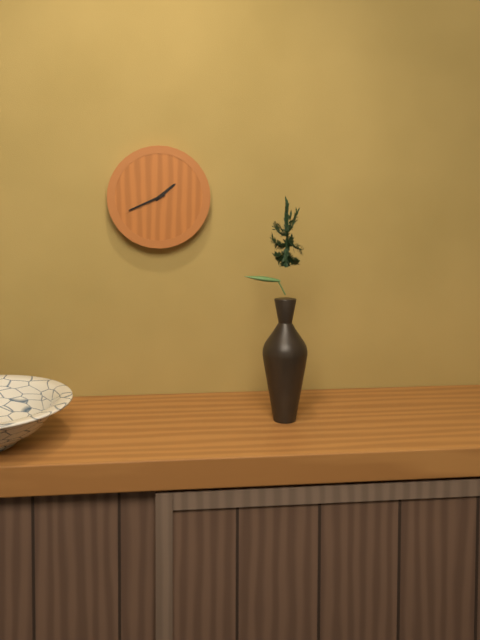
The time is {"hour": 1, "minute": 41}
